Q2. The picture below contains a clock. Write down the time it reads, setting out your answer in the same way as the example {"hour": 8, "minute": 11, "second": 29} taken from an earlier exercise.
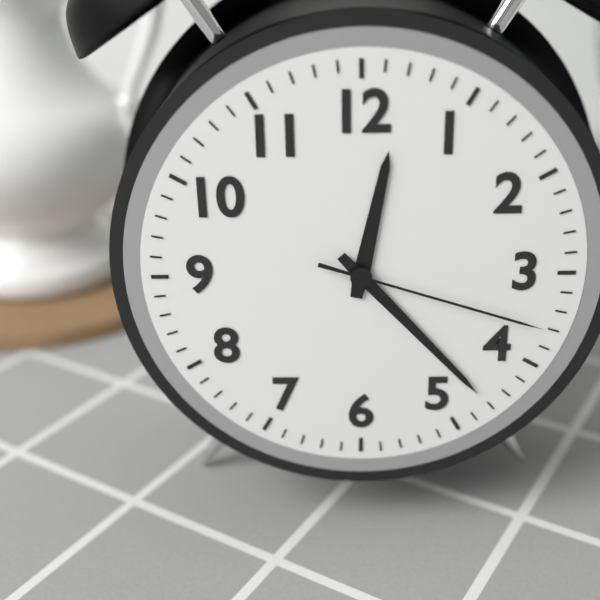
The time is {"hour": 12, "minute": 23, "second": 18}
